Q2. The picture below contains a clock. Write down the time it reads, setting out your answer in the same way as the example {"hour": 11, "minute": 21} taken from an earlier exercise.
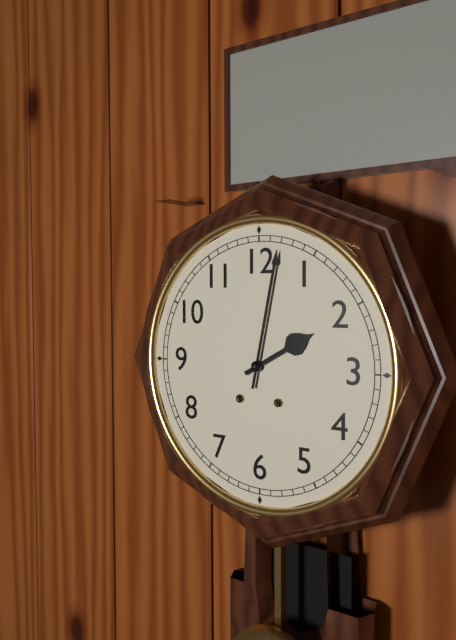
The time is {"hour": 2, "minute": 2}
